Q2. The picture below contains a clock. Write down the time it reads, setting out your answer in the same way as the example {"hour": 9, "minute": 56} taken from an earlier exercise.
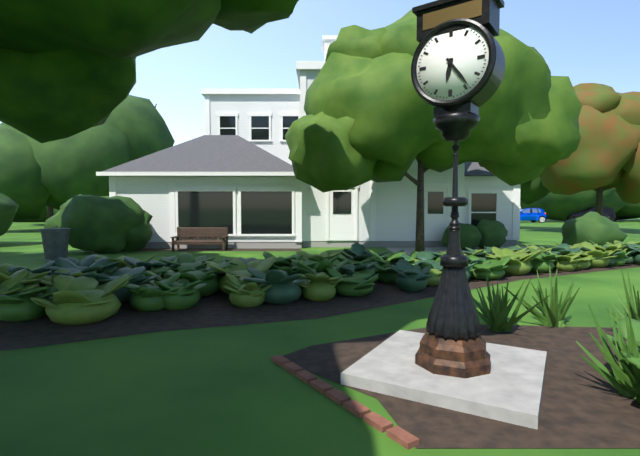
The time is {"hour": 6, "minute": 24}
